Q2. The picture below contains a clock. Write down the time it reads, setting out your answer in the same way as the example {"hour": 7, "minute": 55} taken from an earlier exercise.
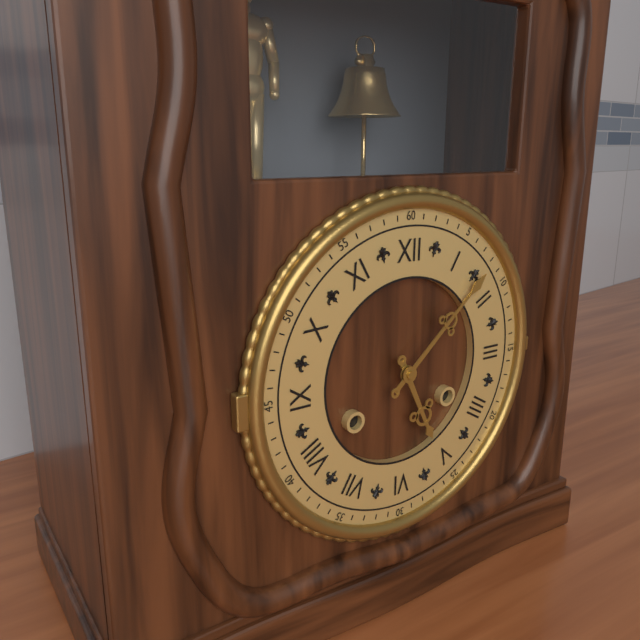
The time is {"hour": 5, "minute": 8}
